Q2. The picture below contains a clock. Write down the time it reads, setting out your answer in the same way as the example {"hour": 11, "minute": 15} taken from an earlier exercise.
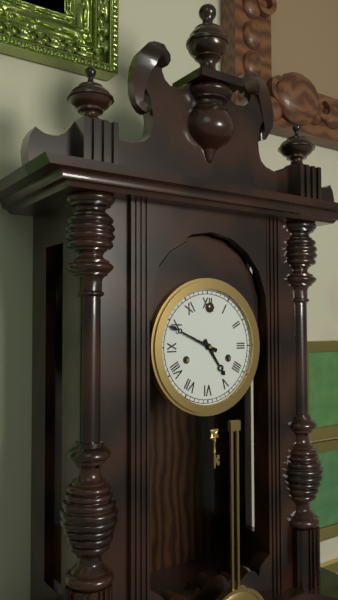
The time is {"hour": 4, "minute": 49}
